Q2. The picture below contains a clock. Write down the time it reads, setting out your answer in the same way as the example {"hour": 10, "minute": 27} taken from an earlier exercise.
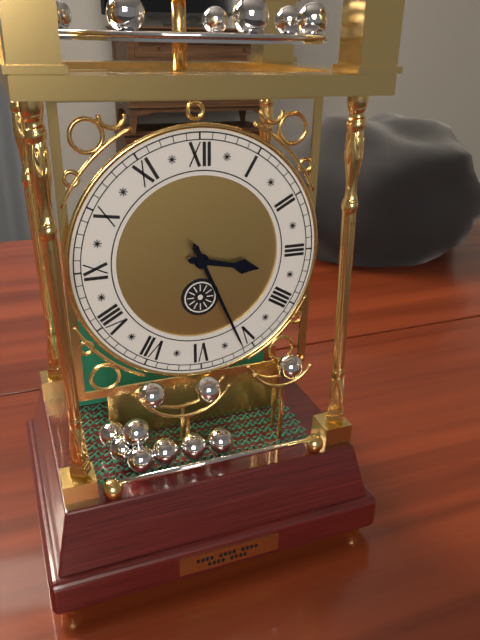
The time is {"hour": 3, "minute": 26}
